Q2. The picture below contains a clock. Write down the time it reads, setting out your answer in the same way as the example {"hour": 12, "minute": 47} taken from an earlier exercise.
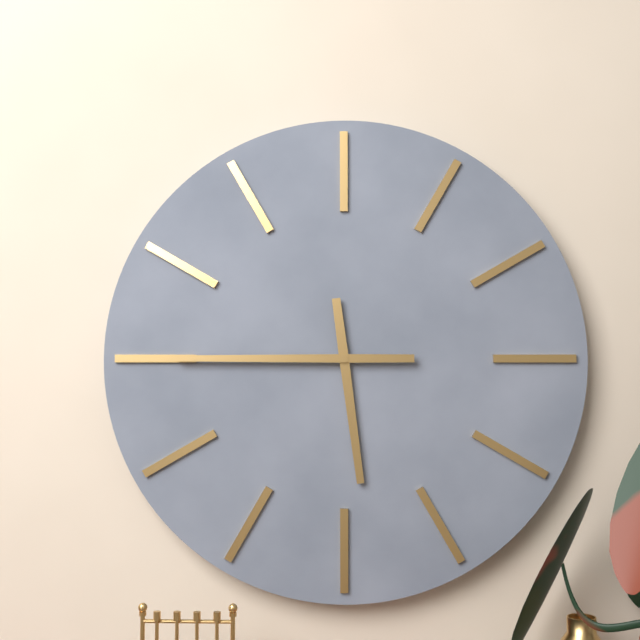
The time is {"hour": 5, "minute": 45}
